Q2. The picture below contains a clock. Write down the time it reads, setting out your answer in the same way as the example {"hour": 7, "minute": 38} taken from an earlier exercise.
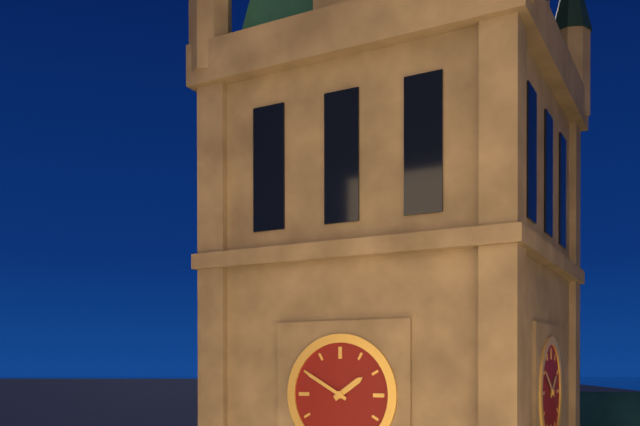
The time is {"hour": 1, "minute": 50}
